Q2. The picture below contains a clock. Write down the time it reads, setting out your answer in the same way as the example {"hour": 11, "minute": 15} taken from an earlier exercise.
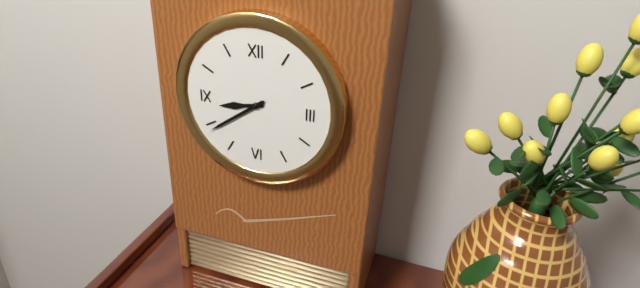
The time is {"hour": 8, "minute": 39}
